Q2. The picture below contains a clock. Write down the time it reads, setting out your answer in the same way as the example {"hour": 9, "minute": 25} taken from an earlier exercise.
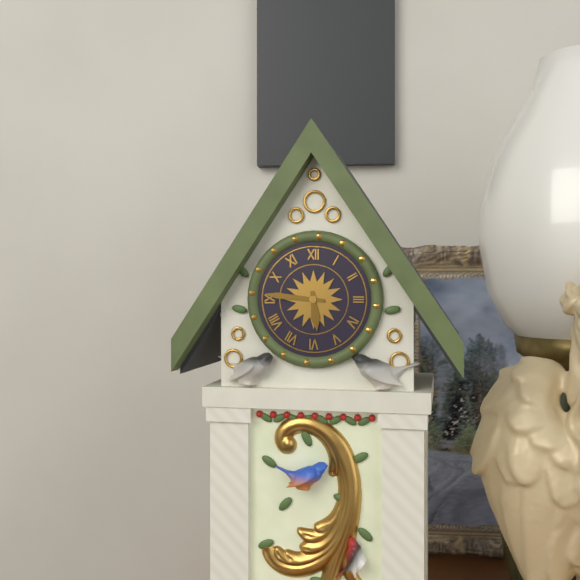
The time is {"hour": 5, "minute": 46}
